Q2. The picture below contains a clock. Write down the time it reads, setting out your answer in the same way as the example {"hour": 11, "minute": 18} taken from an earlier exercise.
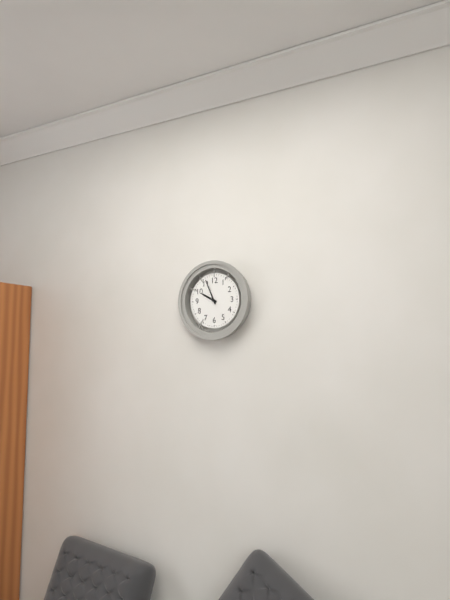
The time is {"hour": 9, "minute": 56}
